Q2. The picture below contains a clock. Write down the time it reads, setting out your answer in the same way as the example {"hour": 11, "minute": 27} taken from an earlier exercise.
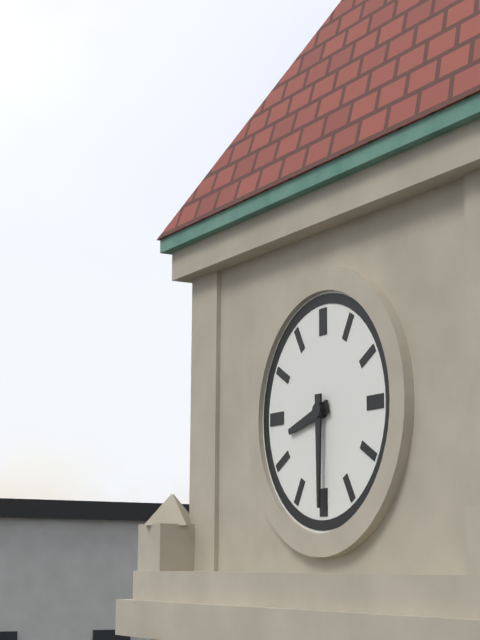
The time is {"hour": 8, "minute": 30}
